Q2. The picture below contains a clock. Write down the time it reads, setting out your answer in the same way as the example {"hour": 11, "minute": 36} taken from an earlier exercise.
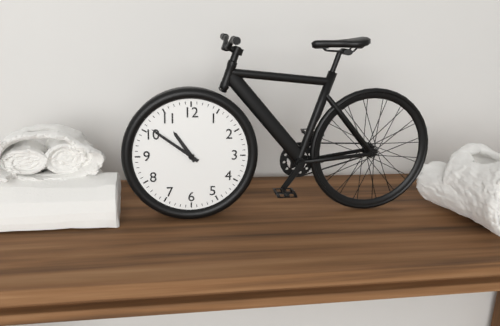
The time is {"hour": 10, "minute": 51}
